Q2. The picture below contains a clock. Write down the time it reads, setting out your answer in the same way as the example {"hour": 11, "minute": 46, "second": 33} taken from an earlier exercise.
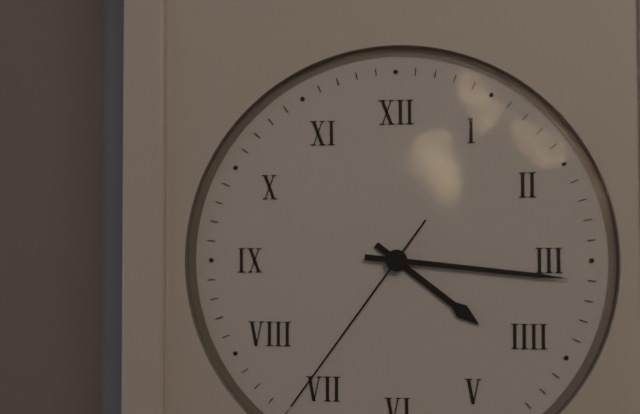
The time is {"hour": 4, "minute": 16, "second": 36}
